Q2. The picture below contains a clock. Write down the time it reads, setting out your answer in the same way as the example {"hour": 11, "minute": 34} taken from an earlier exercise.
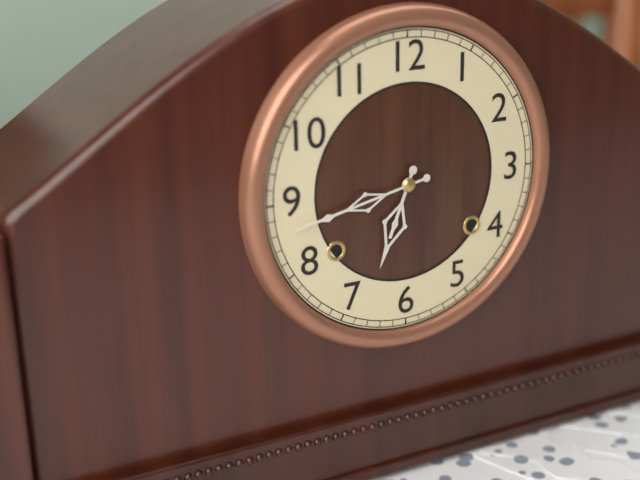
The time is {"hour": 6, "minute": 43}
